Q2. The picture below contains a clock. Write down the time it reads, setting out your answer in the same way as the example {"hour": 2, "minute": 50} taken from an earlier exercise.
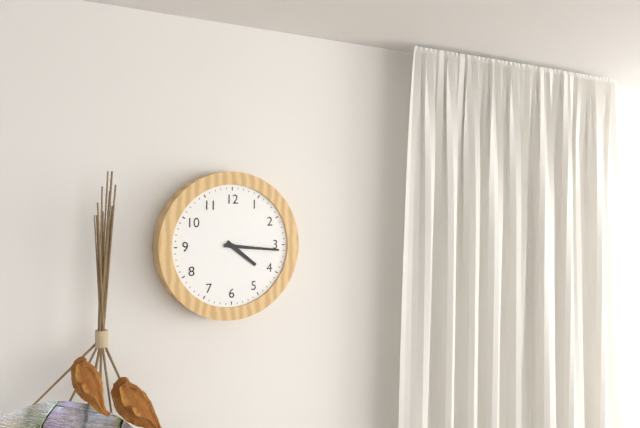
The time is {"hour": 4, "minute": 16}
